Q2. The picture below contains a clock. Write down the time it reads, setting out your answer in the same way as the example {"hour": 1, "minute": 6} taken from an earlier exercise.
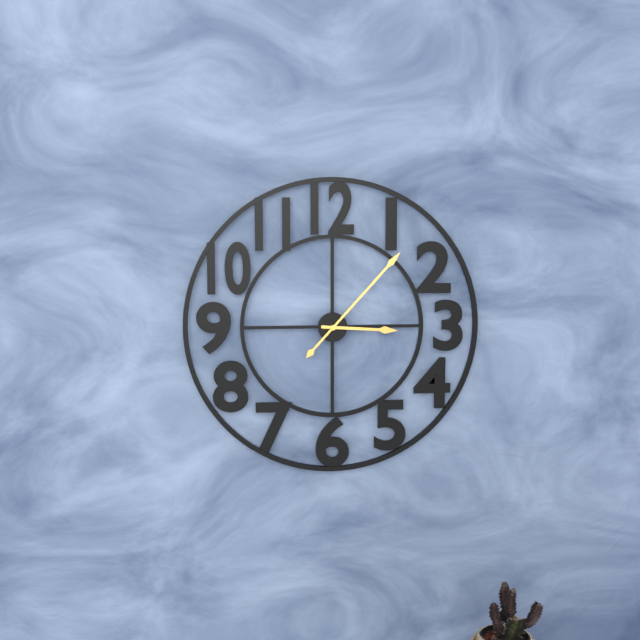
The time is {"hour": 3, "minute": 7}
